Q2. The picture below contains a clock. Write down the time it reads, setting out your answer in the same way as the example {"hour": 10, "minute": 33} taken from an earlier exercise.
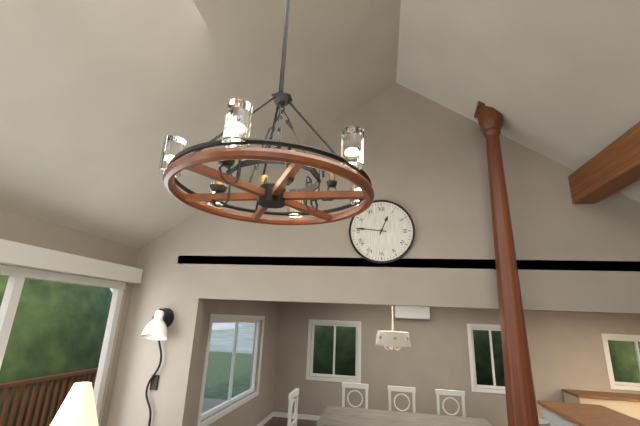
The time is {"hour": 12, "minute": 46}
